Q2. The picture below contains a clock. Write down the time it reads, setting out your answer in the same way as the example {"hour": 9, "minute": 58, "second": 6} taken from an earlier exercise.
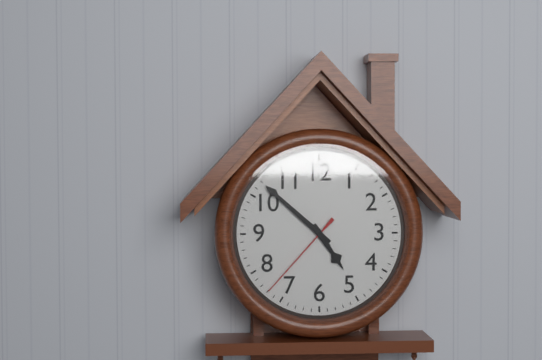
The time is {"hour": 4, "minute": 52, "second": 37}
